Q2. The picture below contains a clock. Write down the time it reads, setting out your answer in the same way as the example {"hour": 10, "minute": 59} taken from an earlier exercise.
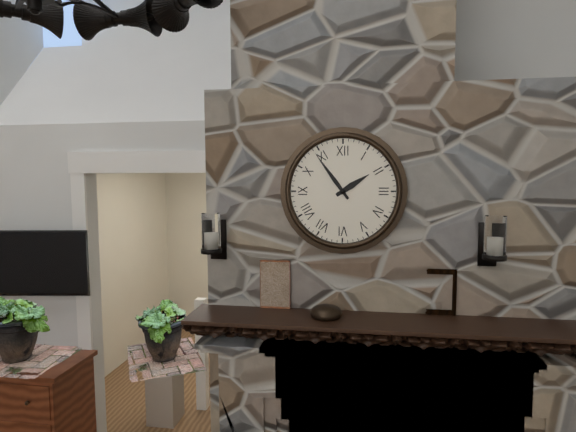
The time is {"hour": 1, "minute": 54}
